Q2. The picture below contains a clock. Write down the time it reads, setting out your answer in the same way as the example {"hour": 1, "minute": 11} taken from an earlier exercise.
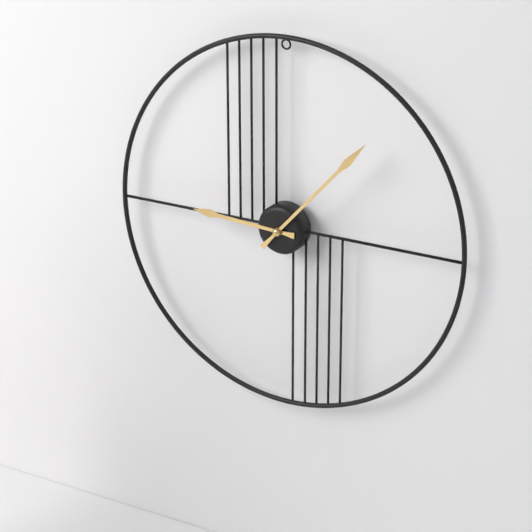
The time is {"hour": 9, "minute": 7}
